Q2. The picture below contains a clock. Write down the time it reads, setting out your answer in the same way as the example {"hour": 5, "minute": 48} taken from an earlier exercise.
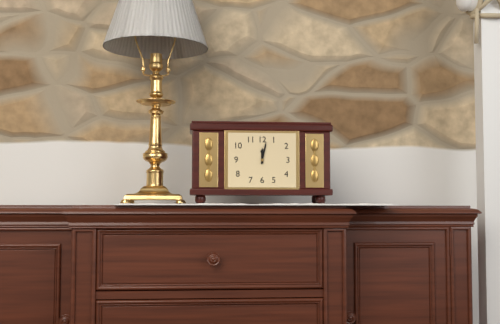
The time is {"hour": 12, "minute": 2}
